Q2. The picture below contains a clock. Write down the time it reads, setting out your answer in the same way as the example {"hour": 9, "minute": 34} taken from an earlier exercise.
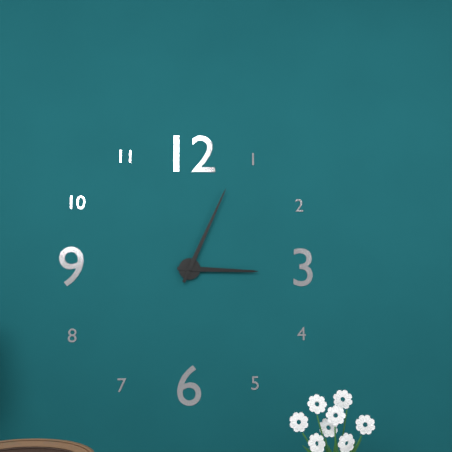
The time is {"hour": 3, "minute": 4}
